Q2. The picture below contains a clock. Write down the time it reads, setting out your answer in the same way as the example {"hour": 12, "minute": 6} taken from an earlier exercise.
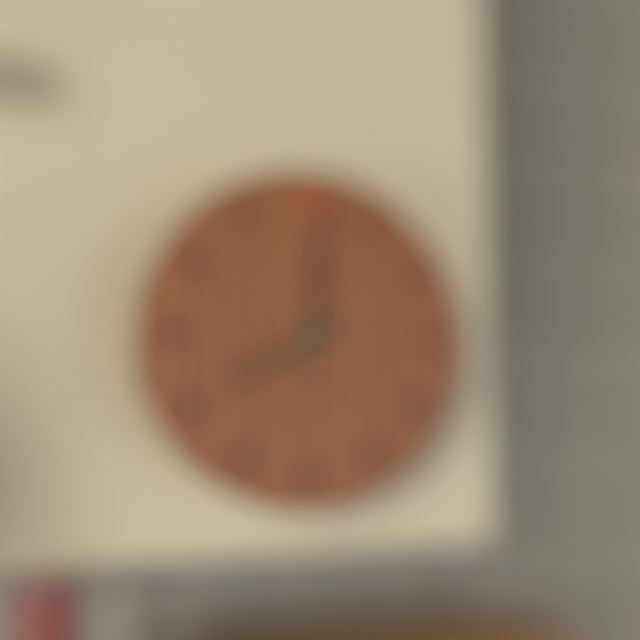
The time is {"hour": 8, "minute": 1}
